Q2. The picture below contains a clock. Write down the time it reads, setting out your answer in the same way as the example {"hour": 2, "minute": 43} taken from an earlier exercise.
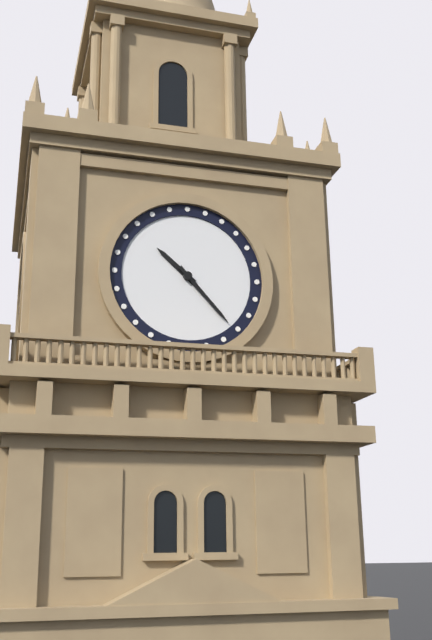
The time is {"hour": 10, "minute": 23}
